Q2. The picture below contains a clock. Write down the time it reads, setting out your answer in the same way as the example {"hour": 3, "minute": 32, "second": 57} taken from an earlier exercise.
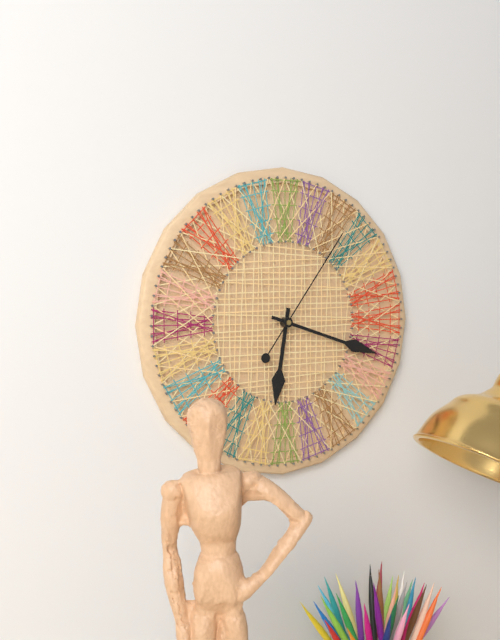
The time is {"hour": 6, "minute": 18, "second": 6}
